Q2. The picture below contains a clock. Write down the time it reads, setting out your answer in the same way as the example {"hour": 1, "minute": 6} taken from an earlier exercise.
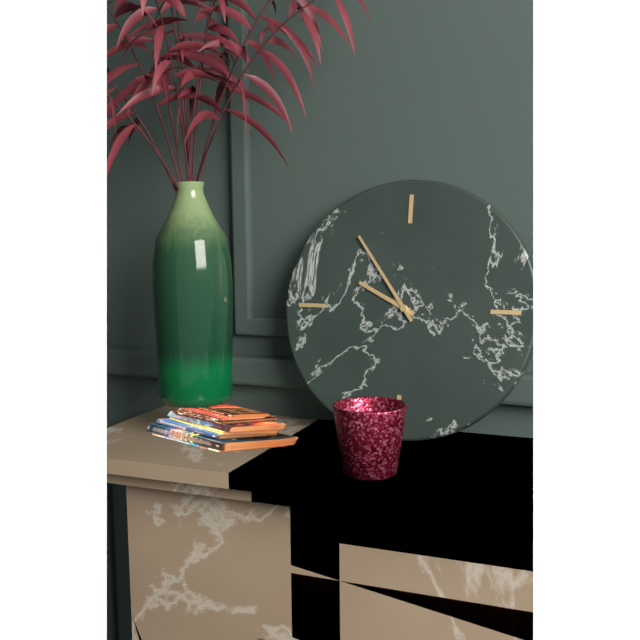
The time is {"hour": 9, "minute": 54}
